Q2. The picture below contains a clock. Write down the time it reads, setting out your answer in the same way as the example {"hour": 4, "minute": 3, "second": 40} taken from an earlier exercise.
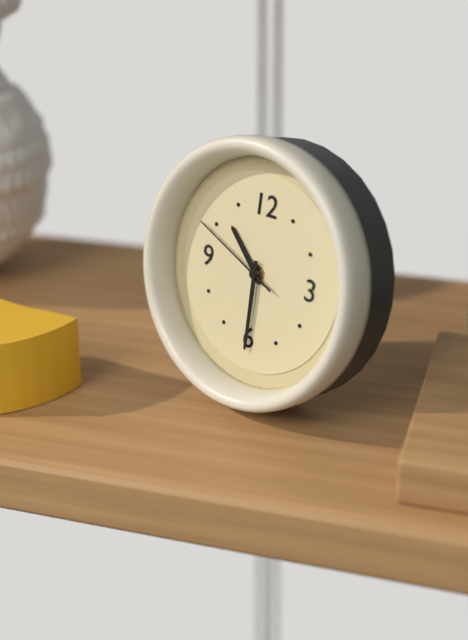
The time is {"hour": 10, "minute": 30, "second": 49}
